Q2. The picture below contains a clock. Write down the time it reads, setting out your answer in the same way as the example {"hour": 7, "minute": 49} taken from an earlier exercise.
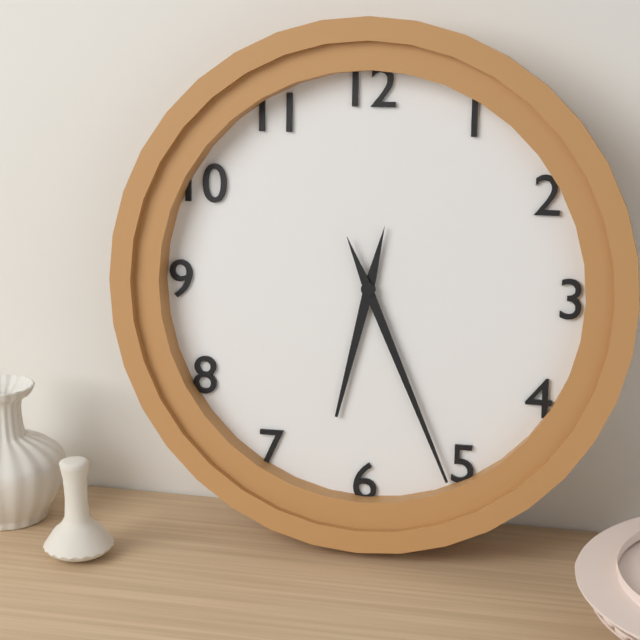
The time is {"hour": 6, "minute": 26}
